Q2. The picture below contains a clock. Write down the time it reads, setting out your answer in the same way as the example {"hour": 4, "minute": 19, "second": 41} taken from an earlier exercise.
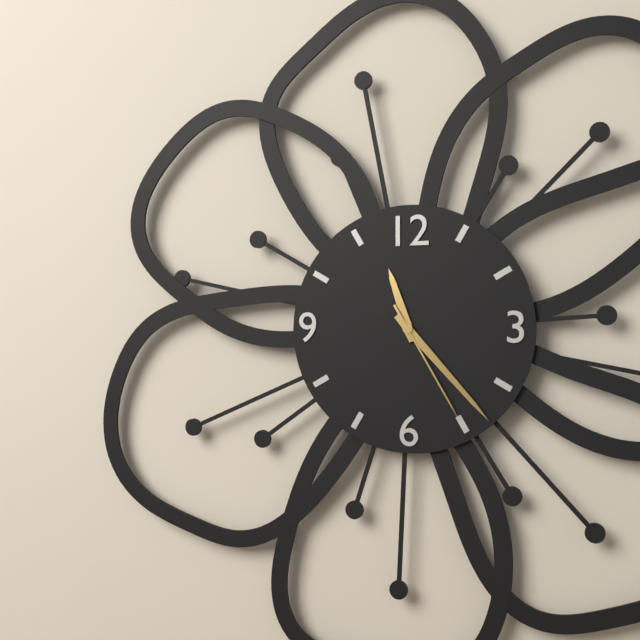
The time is {"hour": 11, "minute": 23, "second": 25}
